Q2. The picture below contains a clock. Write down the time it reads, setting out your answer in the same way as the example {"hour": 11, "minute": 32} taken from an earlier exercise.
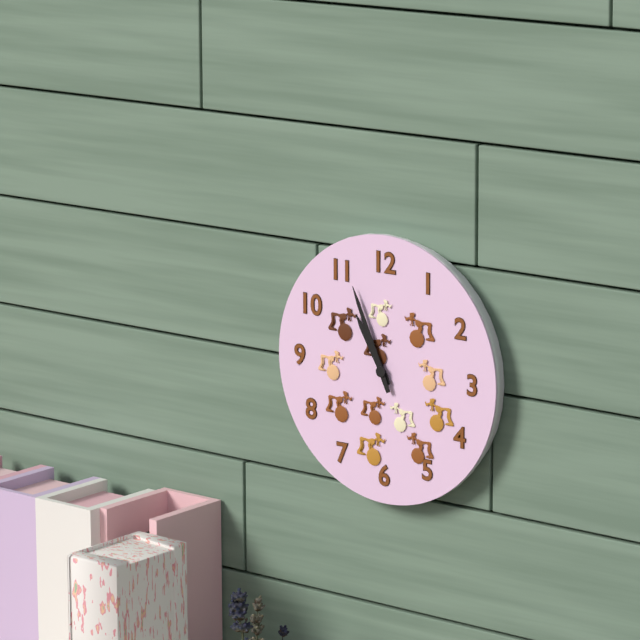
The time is {"hour": 10, "minute": 56}
